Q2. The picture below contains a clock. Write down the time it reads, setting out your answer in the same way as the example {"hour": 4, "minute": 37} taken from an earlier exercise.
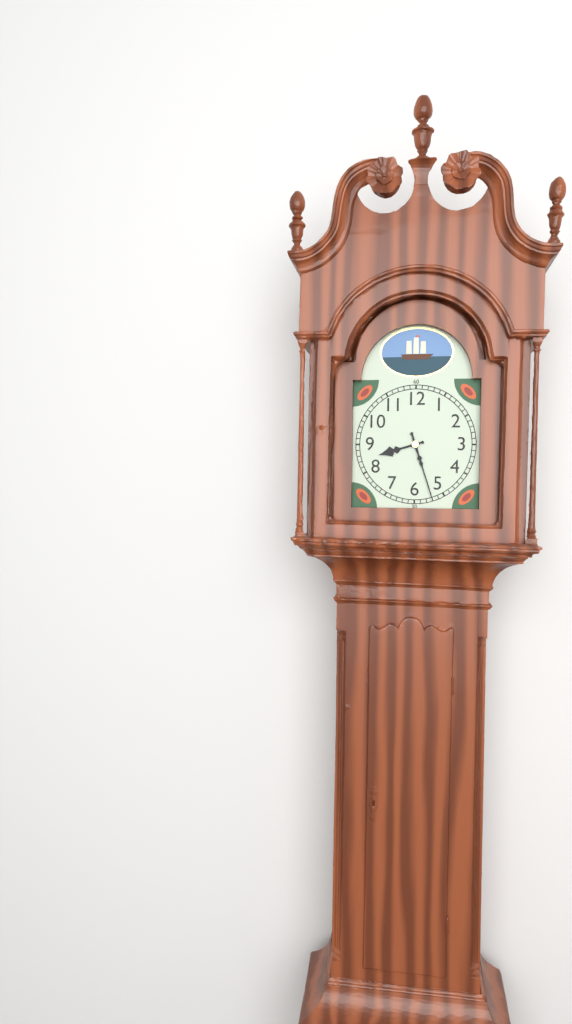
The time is {"hour": 8, "minute": 27}
